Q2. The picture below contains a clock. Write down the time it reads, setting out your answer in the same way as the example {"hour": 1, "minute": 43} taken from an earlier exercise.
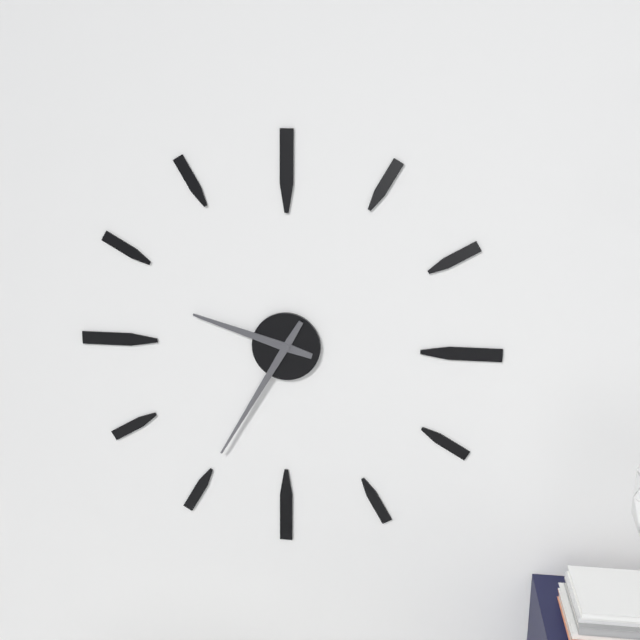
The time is {"hour": 9, "minute": 35}
